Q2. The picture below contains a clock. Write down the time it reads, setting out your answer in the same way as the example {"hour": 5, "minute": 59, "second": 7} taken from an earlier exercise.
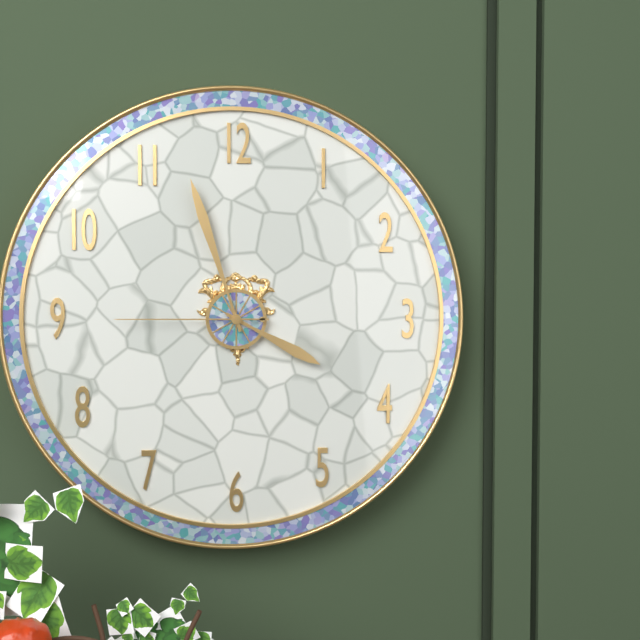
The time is {"hour": 3, "minute": 57, "second": 45}
